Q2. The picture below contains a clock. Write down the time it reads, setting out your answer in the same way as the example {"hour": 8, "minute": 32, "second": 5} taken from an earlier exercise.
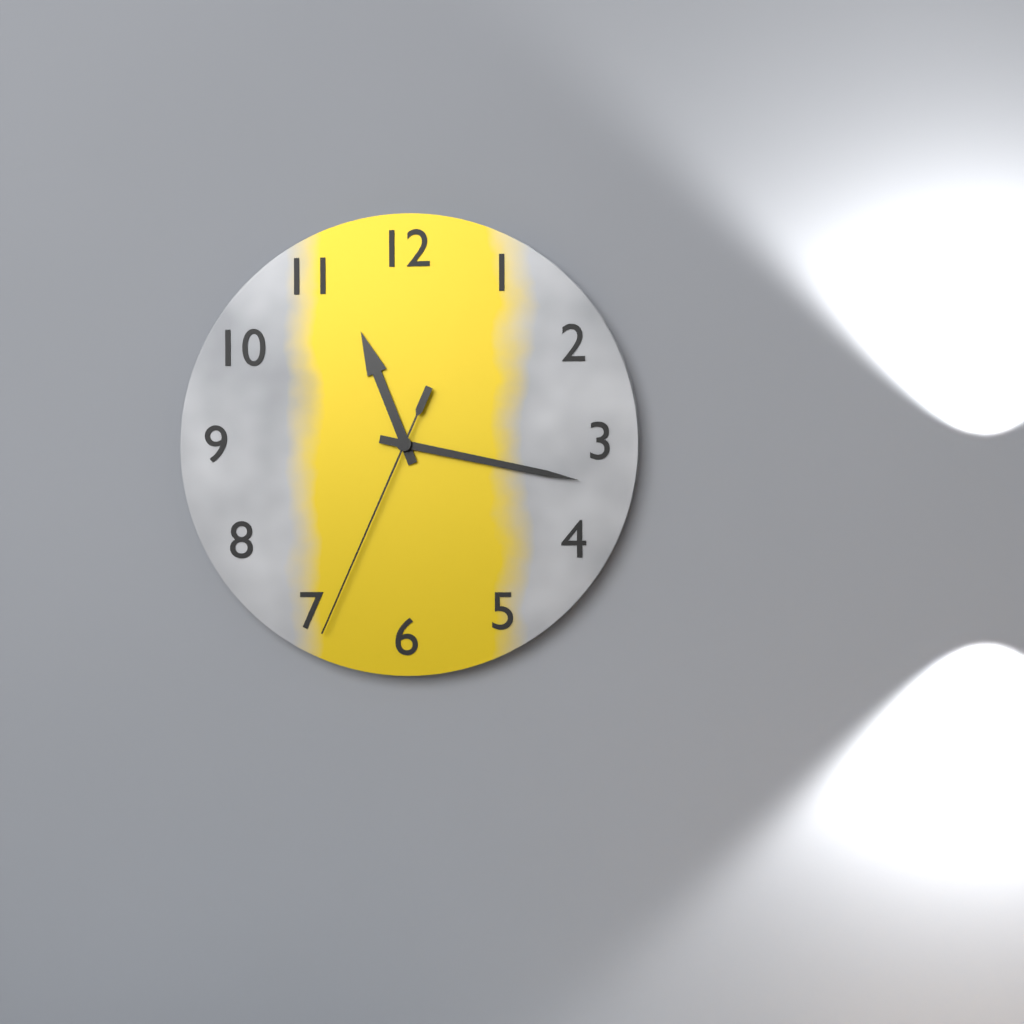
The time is {"hour": 11, "minute": 17, "second": 34}
